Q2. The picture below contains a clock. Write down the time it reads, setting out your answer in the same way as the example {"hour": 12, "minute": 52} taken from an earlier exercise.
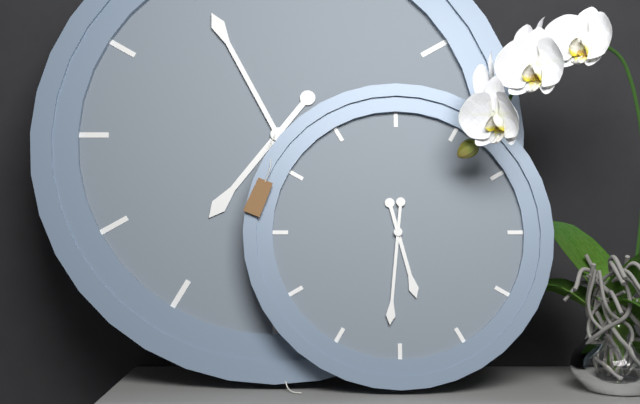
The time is {"hour": 5, "minute": 31}
